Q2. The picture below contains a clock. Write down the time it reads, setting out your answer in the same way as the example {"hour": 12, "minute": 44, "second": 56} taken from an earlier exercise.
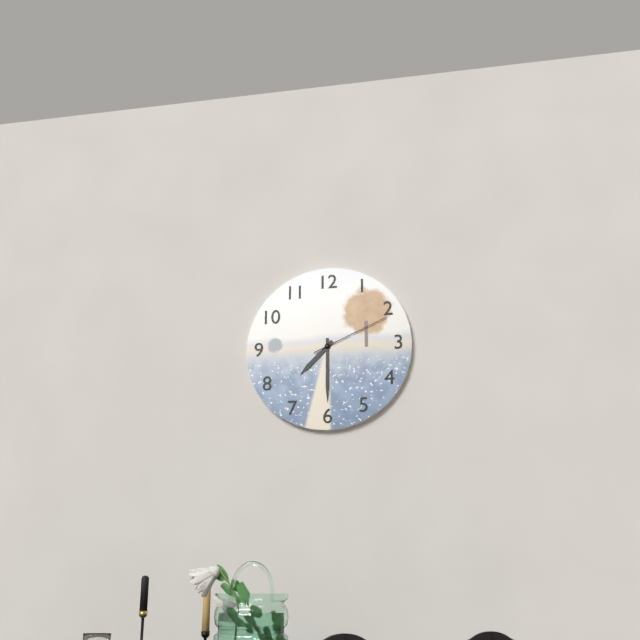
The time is {"hour": 7, "minute": 30, "second": 11}
